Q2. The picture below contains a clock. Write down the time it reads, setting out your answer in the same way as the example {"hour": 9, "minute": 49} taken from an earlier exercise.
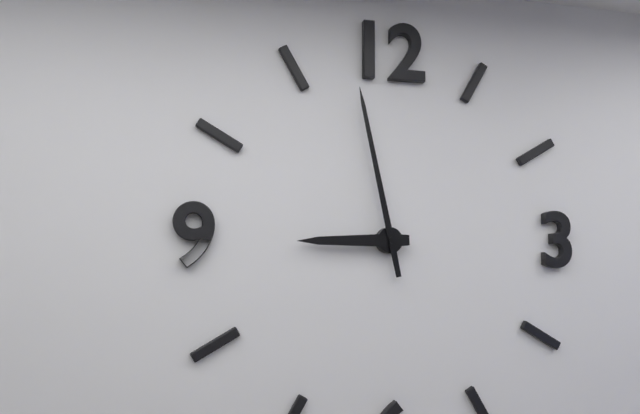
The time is {"hour": 8, "minute": 58}
